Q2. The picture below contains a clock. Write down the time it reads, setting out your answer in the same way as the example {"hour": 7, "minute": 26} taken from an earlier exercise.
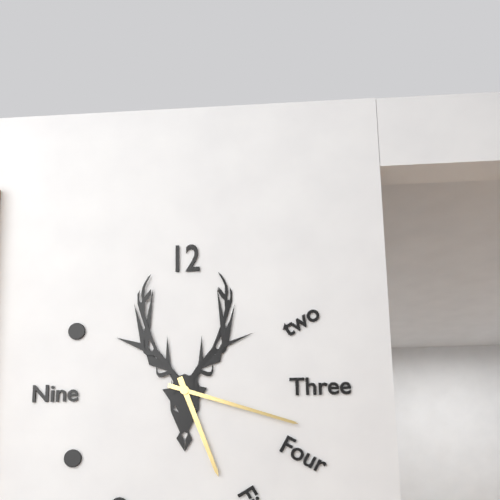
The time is {"hour": 5, "minute": 18}
